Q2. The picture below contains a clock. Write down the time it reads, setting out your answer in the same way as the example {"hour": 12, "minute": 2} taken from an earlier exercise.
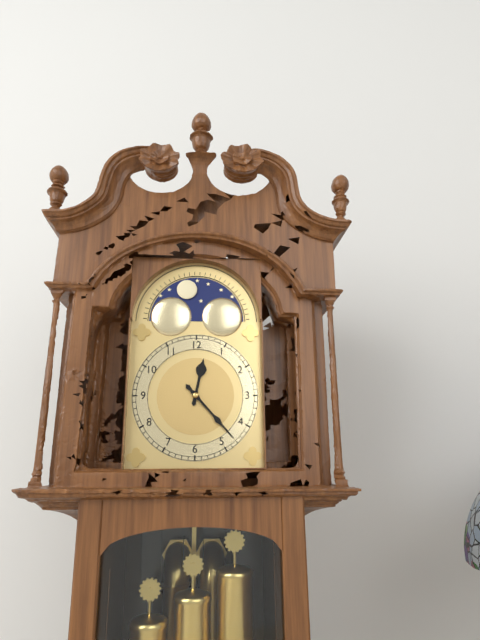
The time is {"hour": 12, "minute": 23}
